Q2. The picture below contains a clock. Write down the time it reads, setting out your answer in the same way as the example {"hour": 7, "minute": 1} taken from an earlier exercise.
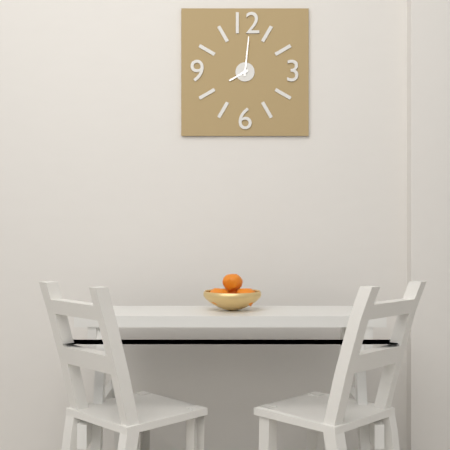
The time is {"hour": 8, "minute": 1}
